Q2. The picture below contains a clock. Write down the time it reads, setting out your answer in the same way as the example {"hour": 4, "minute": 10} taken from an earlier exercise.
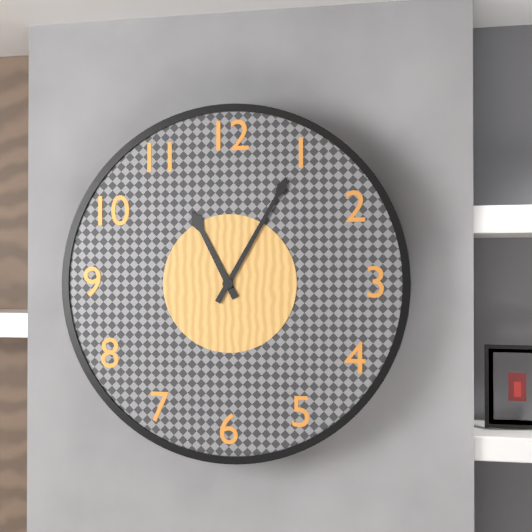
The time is {"hour": 11, "minute": 5}
